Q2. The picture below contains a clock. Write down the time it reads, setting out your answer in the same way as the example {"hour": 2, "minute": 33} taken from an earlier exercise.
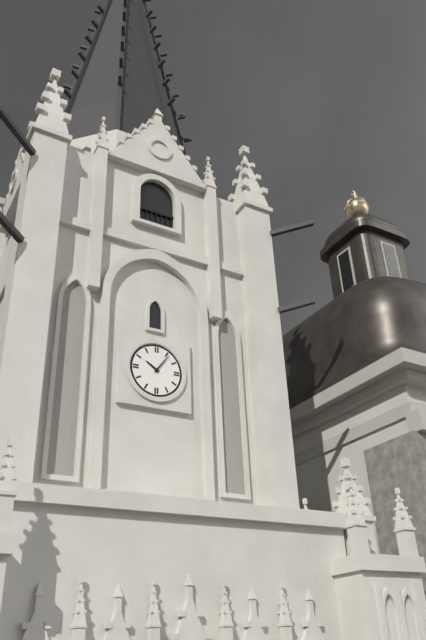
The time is {"hour": 10, "minute": 6}
